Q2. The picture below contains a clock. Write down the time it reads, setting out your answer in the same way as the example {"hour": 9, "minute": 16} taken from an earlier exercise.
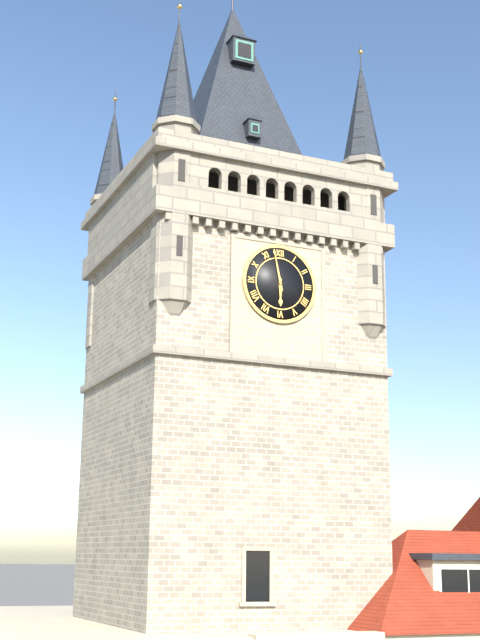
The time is {"hour": 5, "minute": 58}
